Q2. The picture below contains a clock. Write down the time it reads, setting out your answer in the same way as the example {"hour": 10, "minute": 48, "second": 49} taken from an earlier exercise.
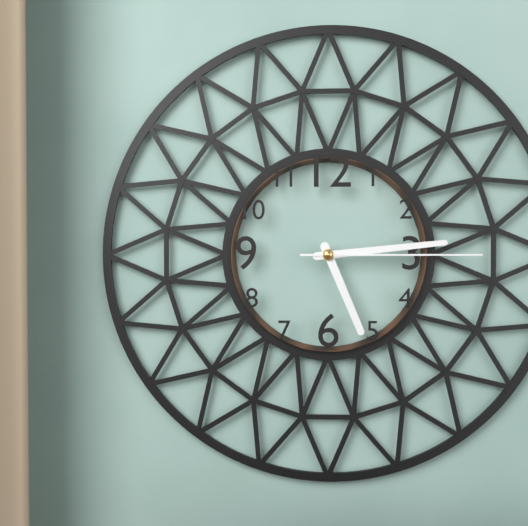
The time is {"hour": 5, "minute": 14, "second": 15}
